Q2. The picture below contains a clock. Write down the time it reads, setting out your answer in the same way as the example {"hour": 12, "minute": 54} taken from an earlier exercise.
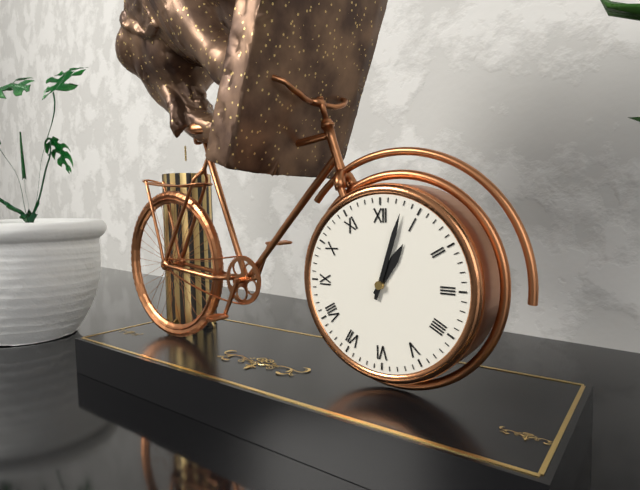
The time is {"hour": 1, "minute": 3}
